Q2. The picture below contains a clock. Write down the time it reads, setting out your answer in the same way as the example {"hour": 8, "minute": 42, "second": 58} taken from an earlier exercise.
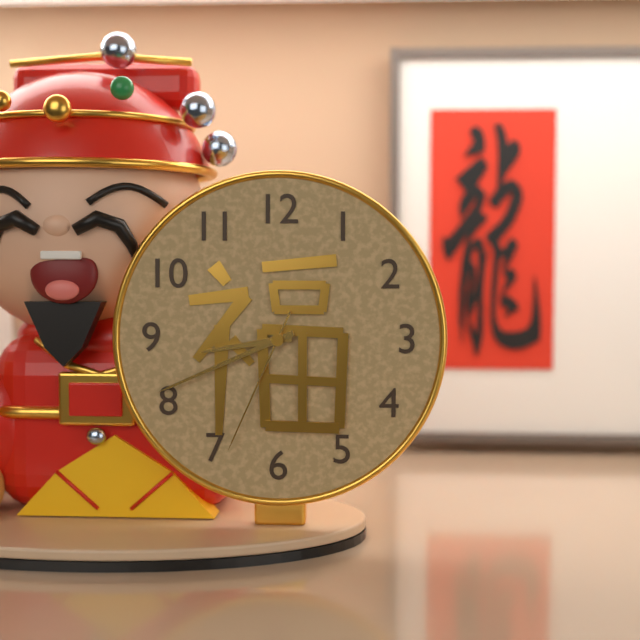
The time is {"hour": 8, "minute": 41, "second": 34}
